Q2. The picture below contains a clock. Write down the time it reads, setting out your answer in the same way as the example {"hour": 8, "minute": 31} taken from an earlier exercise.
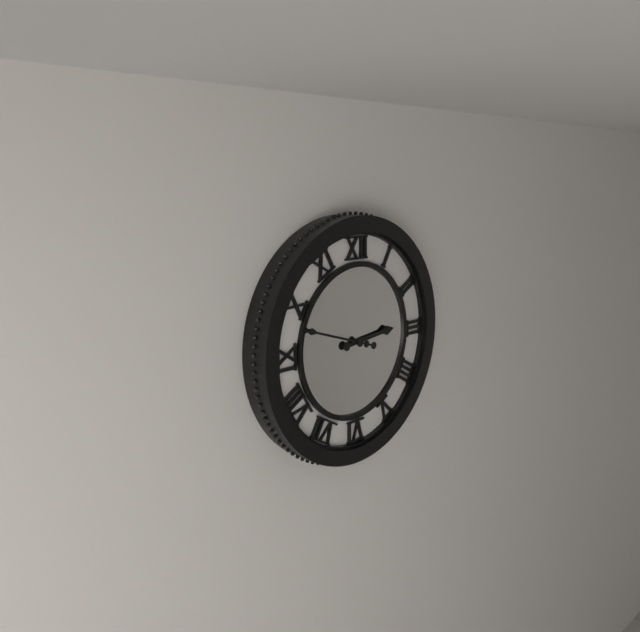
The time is {"hour": 2, "minute": 48}
